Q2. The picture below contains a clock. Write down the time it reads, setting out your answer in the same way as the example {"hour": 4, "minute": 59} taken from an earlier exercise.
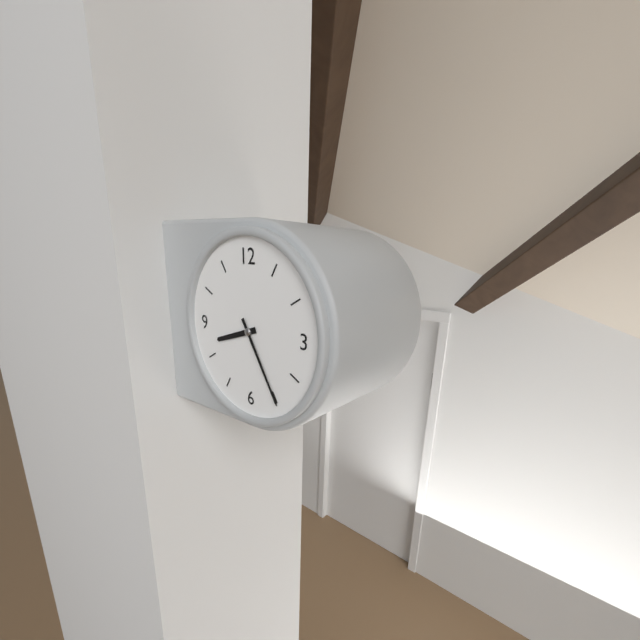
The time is {"hour": 8, "minute": 25}
